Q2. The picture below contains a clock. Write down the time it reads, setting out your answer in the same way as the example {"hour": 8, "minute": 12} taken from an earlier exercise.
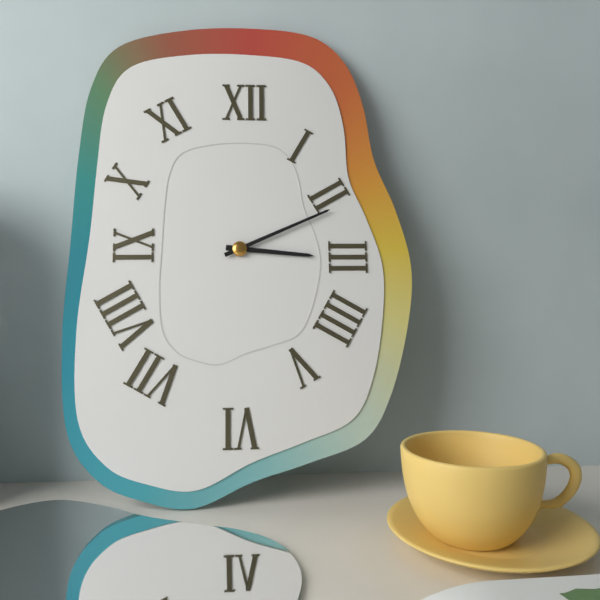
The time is {"hour": 3, "minute": 11}
